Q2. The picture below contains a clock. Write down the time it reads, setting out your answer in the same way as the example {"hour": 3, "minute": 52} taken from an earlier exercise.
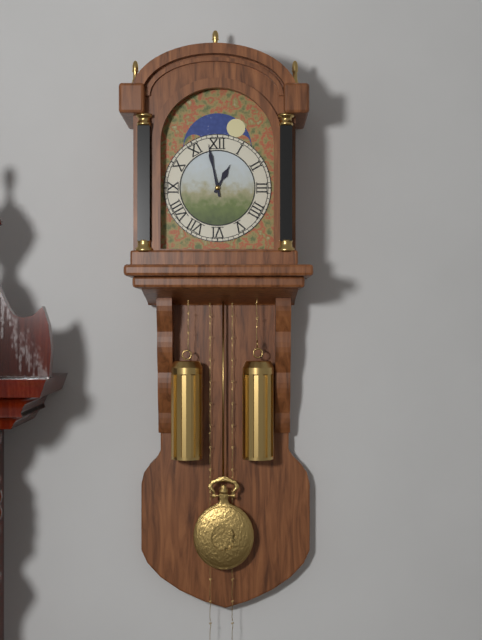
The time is {"hour": 12, "minute": 58}
